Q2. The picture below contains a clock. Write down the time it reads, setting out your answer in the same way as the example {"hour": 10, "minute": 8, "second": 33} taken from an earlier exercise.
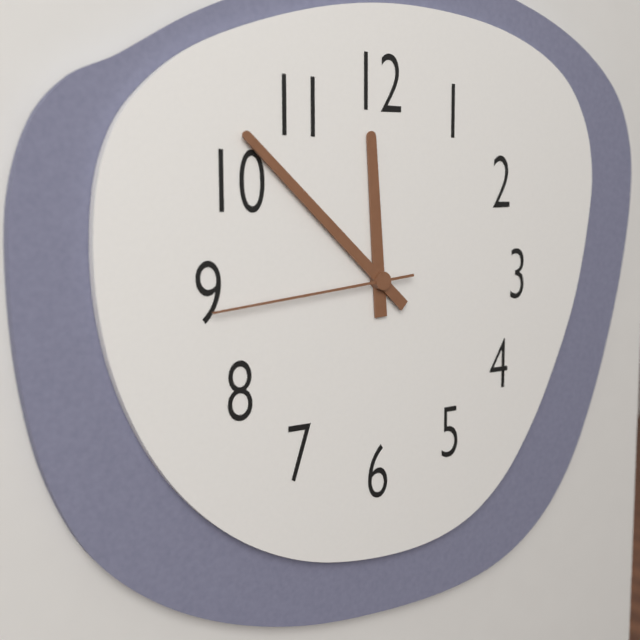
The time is {"hour": 11, "minute": 52, "second": 44}
